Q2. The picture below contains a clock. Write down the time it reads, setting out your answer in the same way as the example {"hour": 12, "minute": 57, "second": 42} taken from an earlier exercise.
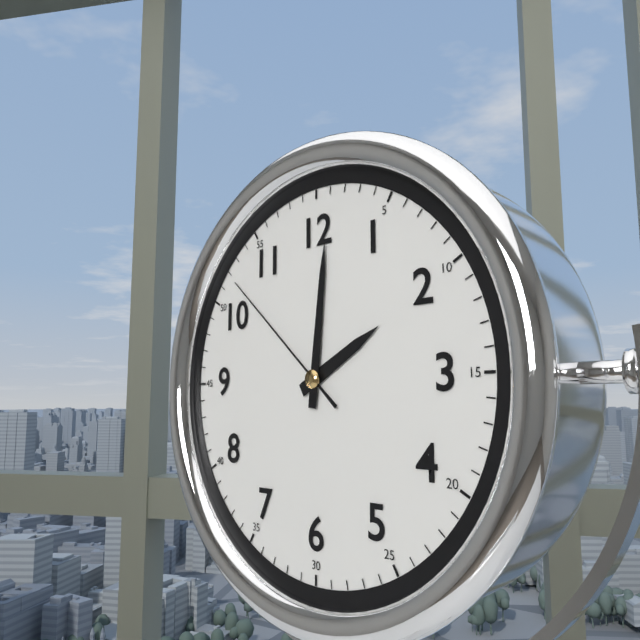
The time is {"hour": 2, "minute": 1, "second": 52}
